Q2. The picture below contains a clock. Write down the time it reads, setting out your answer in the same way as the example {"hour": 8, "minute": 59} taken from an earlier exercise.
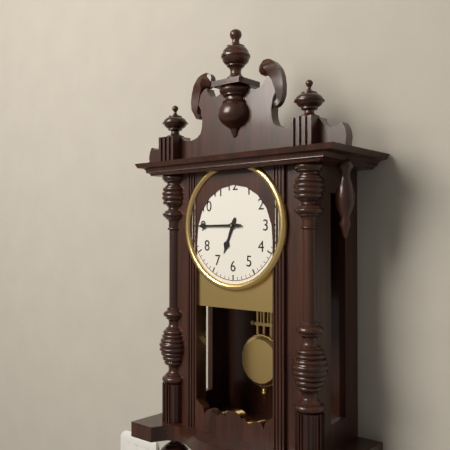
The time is {"hour": 6, "minute": 45}
